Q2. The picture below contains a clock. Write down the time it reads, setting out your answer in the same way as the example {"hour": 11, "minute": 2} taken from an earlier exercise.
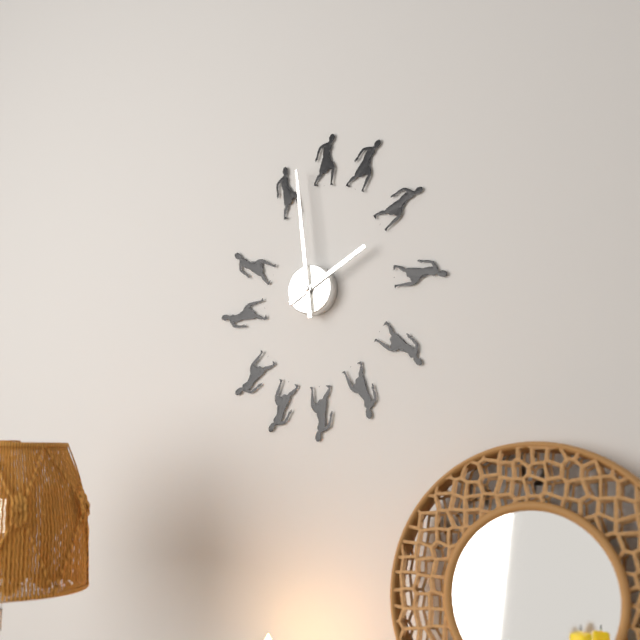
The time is {"hour": 1, "minute": 59}
